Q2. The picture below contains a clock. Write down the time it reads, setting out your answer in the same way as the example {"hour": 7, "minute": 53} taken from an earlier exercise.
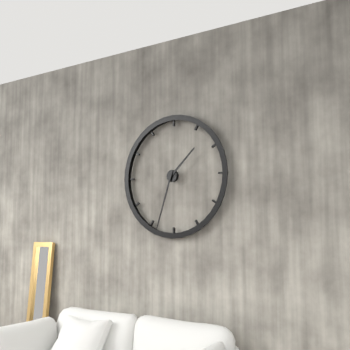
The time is {"hour": 1, "minute": 33}
